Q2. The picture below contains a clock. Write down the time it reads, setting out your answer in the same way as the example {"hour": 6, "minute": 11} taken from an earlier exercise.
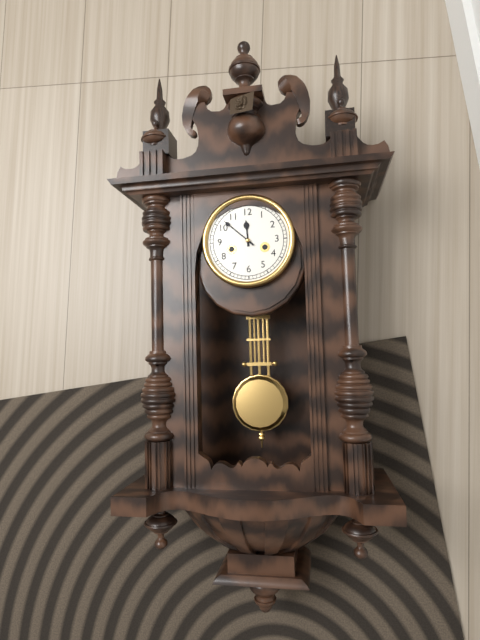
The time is {"hour": 11, "minute": 52}
